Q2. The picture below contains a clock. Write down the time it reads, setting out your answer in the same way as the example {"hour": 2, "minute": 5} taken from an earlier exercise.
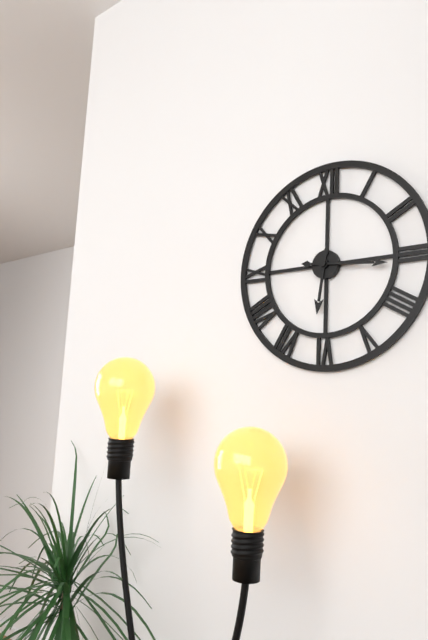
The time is {"hour": 6, "minute": 16}
